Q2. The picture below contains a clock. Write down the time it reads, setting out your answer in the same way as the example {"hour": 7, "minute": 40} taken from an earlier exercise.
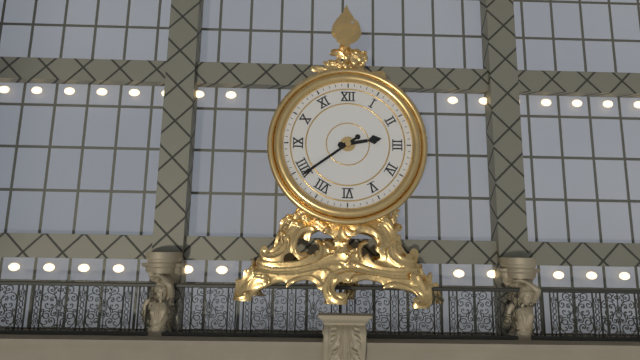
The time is {"hour": 2, "minute": 39}
